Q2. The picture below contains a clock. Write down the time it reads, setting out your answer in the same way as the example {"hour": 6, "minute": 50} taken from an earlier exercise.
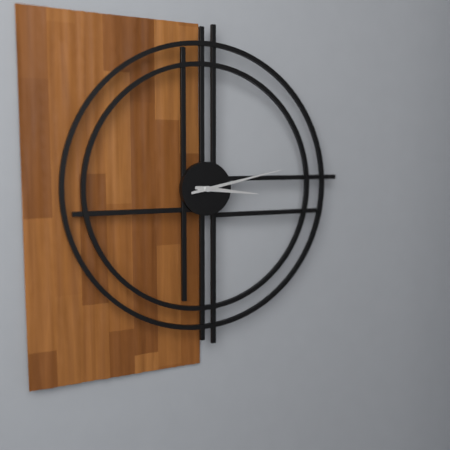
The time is {"hour": 3, "minute": 13}
